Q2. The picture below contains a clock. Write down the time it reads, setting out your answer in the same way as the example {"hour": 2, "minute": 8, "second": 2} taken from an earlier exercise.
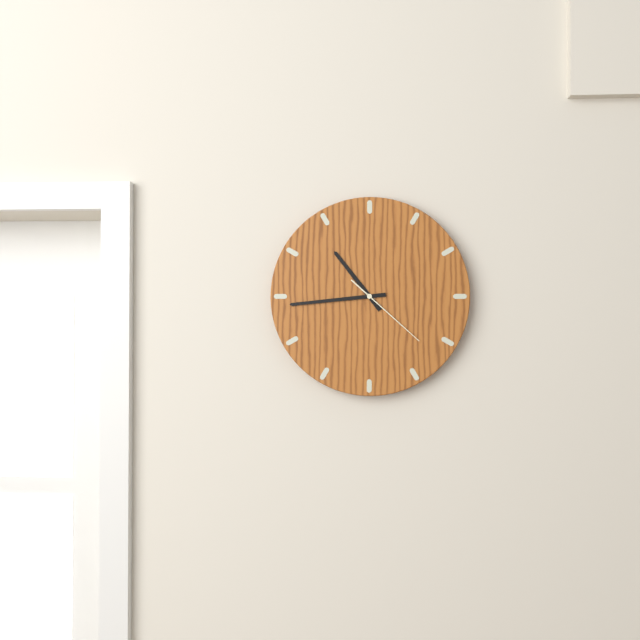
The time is {"hour": 10, "minute": 44, "second": 22}
